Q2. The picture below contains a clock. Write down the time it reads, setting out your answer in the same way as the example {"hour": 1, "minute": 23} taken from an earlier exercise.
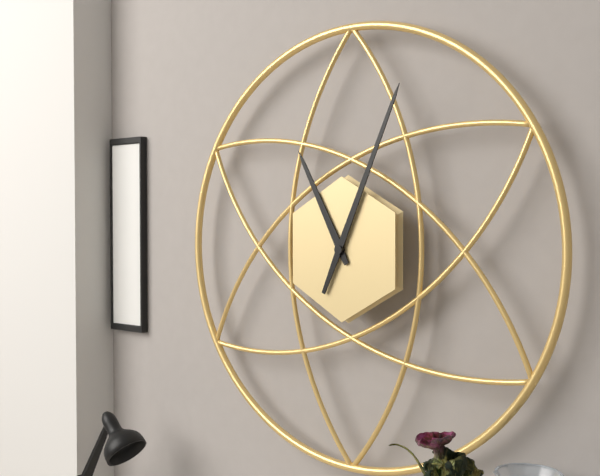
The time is {"hour": 11, "minute": 4}
